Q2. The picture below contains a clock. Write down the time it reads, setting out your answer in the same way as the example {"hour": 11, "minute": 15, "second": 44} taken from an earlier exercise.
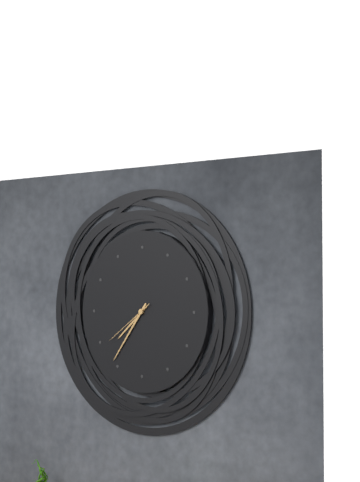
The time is {"hour": 7, "minute": 36, "second": 39}
